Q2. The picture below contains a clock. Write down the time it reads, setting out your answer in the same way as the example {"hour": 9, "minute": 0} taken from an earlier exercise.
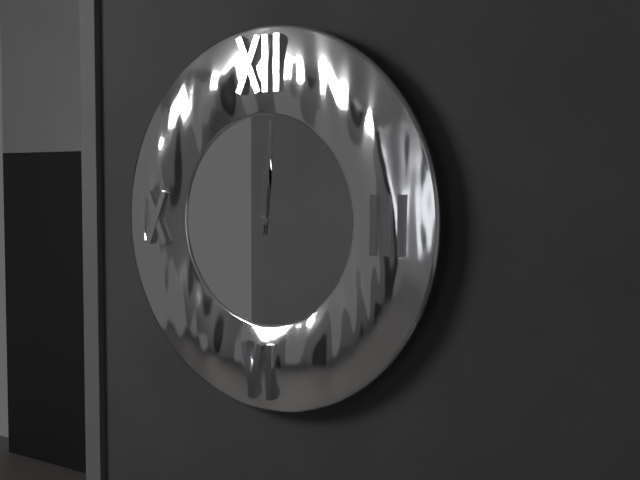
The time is {"hour": 12, "minute": 1}
